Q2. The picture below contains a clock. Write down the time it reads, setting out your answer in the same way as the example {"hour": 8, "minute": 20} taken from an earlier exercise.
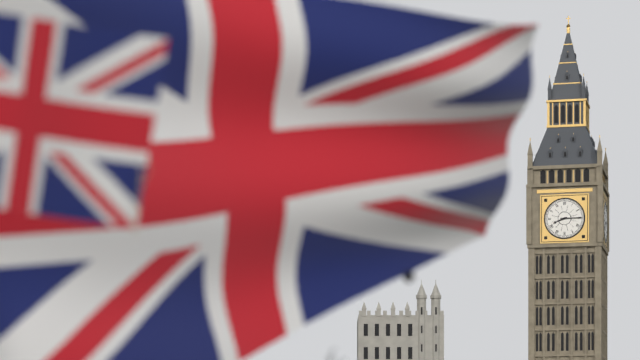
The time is {"hour": 8, "minute": 15}
